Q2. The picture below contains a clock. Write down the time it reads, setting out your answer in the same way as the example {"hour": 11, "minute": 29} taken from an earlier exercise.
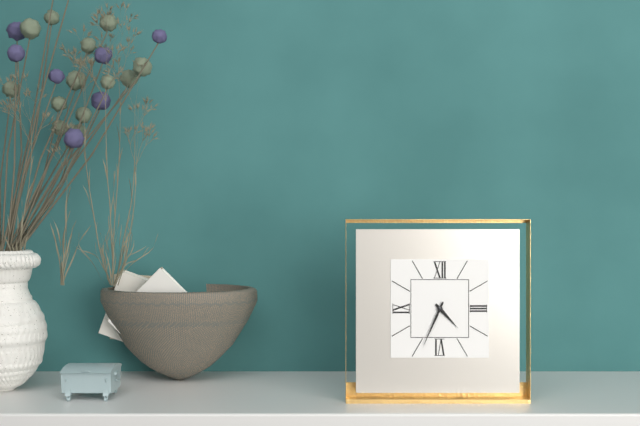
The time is {"hour": 4, "minute": 34}
